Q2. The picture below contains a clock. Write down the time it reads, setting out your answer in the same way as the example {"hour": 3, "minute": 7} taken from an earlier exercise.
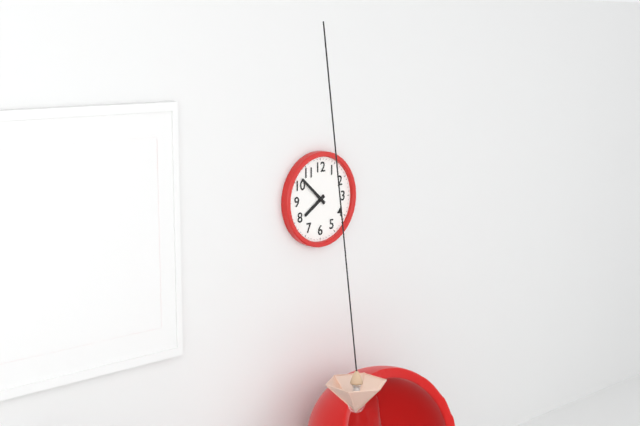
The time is {"hour": 7, "minute": 52}
